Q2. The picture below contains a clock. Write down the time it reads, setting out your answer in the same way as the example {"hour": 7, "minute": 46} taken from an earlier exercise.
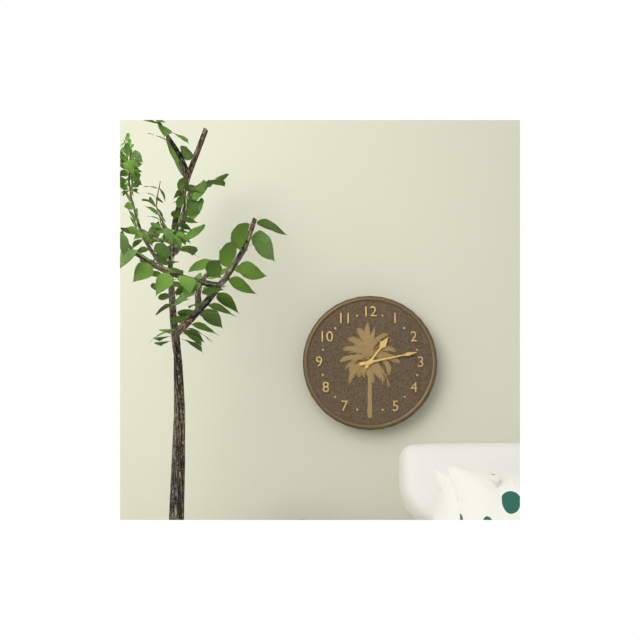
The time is {"hour": 1, "minute": 13}
